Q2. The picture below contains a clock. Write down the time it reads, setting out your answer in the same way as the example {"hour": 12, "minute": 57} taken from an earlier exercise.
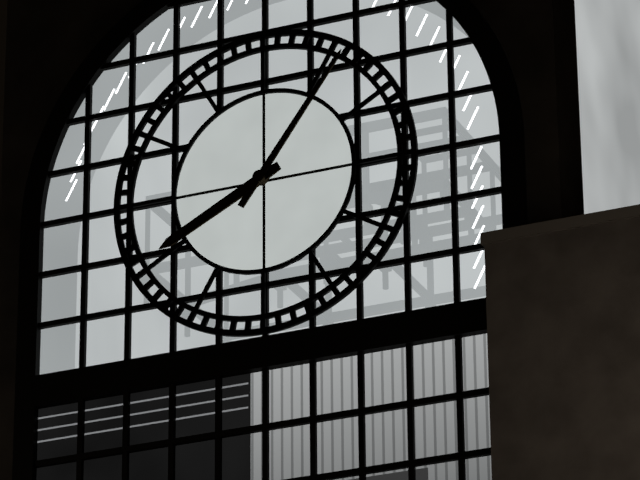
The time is {"hour": 8, "minute": 6}
